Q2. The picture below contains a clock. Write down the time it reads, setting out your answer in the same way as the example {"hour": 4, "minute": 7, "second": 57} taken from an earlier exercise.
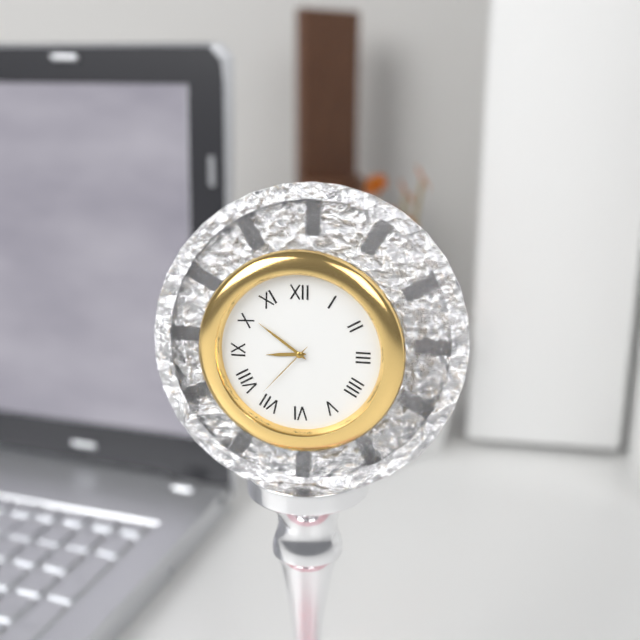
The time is {"hour": 8, "minute": 51, "second": 37}
